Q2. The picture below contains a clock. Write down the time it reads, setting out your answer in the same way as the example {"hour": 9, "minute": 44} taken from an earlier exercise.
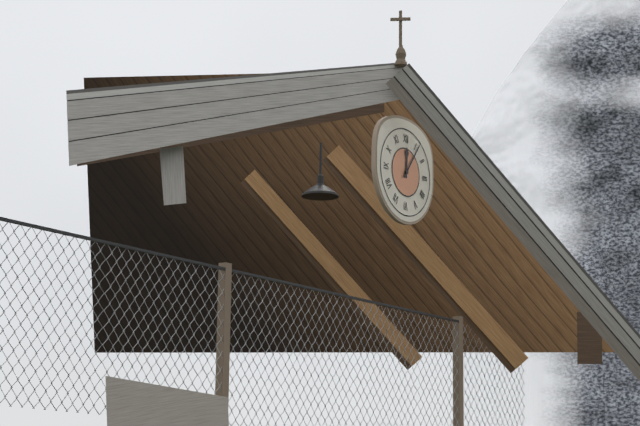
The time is {"hour": 12, "minute": 6}
